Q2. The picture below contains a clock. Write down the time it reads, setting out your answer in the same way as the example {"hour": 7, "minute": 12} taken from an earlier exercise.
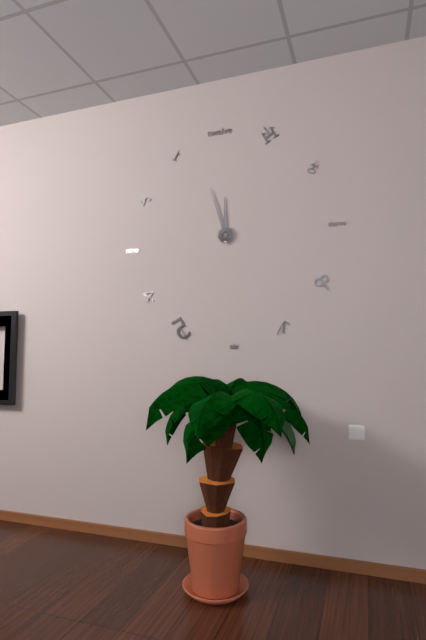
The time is {"hour": 11, "minute": 57}
